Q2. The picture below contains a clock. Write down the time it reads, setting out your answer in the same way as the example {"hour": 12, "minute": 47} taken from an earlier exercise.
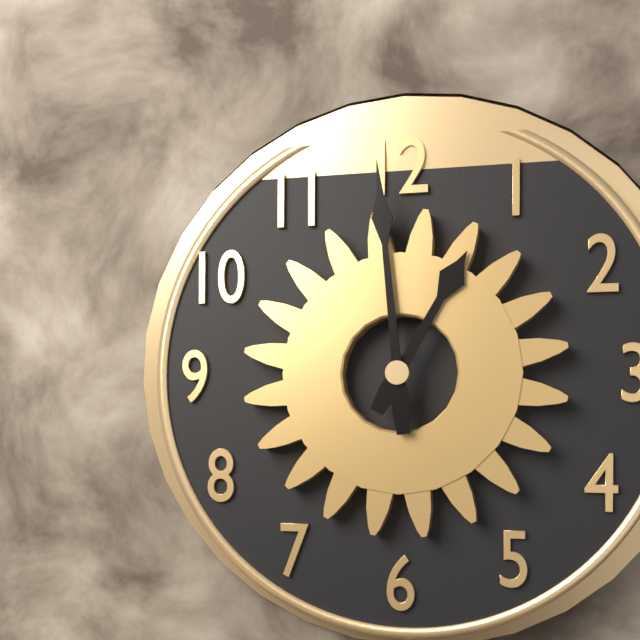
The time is {"hour": 12, "minute": 59}
